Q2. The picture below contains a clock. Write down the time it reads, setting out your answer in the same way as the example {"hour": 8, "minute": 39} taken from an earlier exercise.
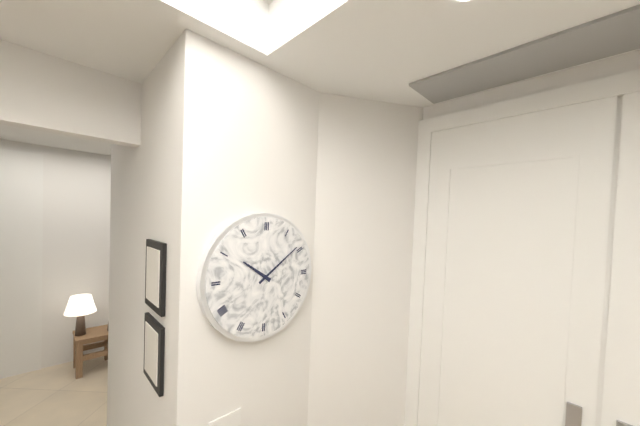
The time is {"hour": 10, "minute": 9}
